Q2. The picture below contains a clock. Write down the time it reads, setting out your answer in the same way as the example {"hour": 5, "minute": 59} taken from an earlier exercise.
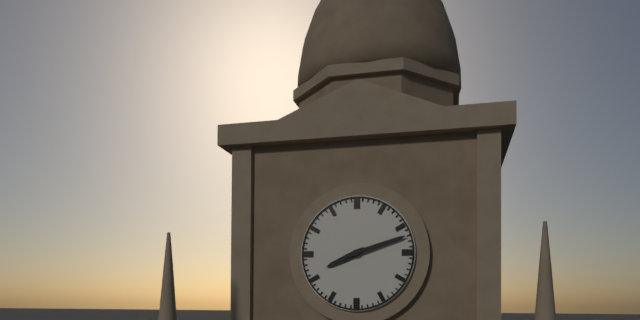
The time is {"hour": 8, "minute": 12}
